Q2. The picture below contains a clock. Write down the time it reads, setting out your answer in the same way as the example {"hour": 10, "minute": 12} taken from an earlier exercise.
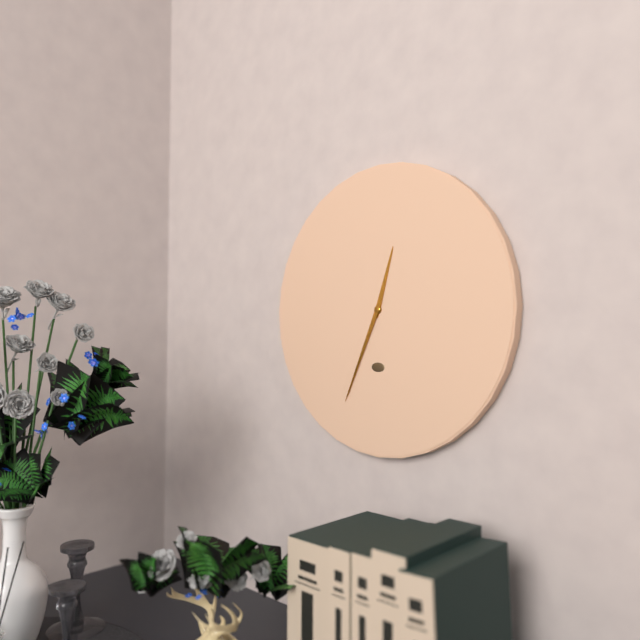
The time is {"hour": 12, "minute": 34}
